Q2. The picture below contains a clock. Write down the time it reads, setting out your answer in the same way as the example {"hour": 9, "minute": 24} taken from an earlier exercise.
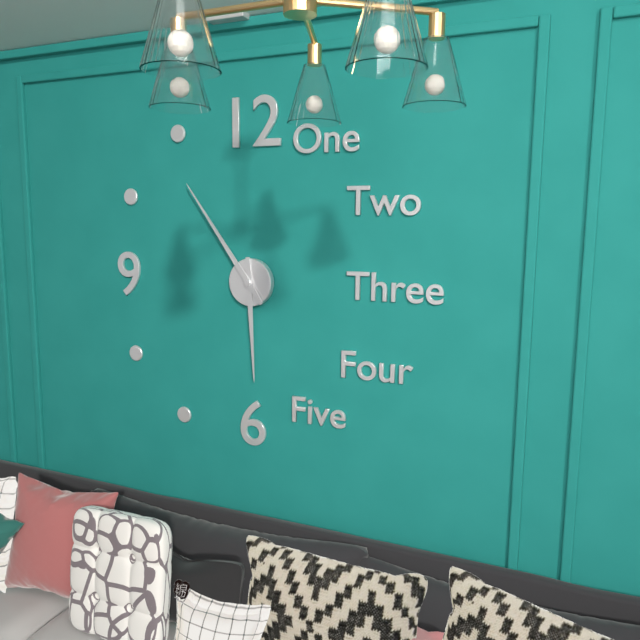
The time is {"hour": 5, "minute": 54}
